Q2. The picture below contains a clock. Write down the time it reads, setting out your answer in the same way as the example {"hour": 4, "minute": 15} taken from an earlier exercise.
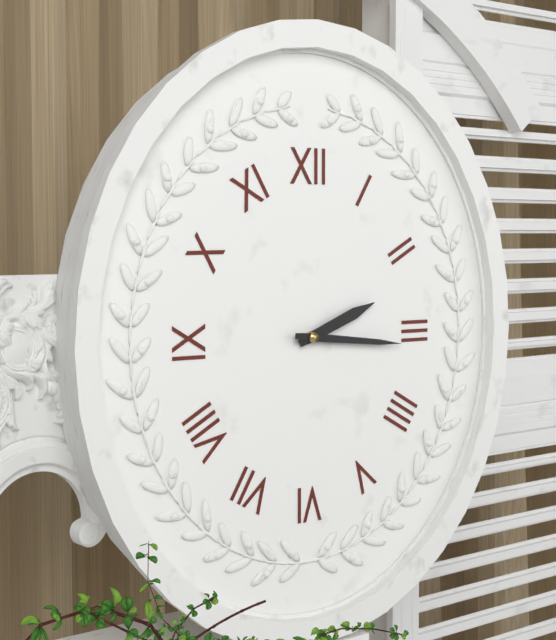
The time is {"hour": 2, "minute": 16}
